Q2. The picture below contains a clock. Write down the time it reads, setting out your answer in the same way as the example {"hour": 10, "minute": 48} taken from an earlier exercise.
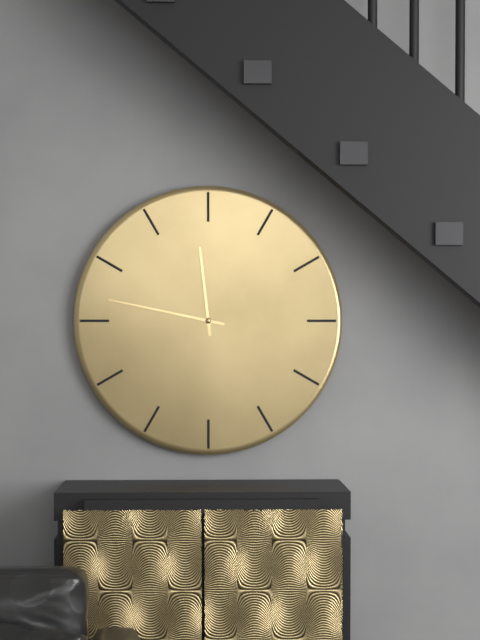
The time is {"hour": 11, "minute": 47}
